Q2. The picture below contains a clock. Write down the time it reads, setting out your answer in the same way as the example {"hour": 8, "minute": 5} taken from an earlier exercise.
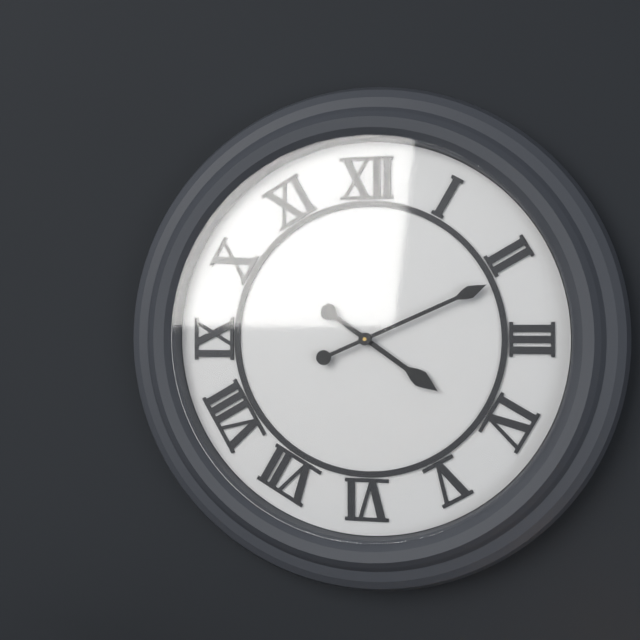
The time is {"hour": 4, "minute": 11}
